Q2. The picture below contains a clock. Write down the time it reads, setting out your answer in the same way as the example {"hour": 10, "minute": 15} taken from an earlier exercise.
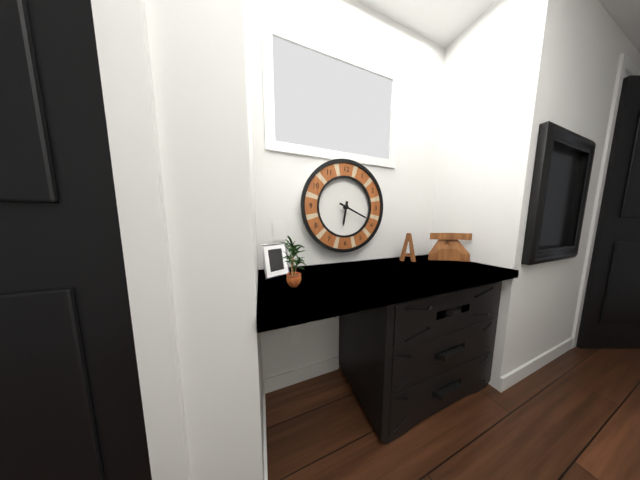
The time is {"hour": 6, "minute": 19}
